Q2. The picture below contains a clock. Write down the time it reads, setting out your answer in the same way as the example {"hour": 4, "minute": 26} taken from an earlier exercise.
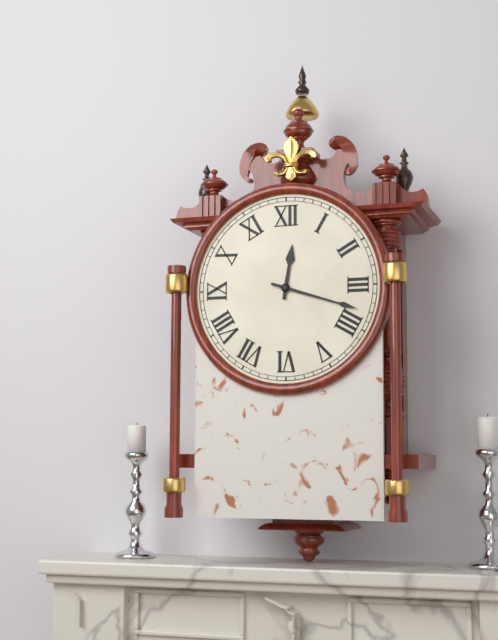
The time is {"hour": 12, "minute": 18}
